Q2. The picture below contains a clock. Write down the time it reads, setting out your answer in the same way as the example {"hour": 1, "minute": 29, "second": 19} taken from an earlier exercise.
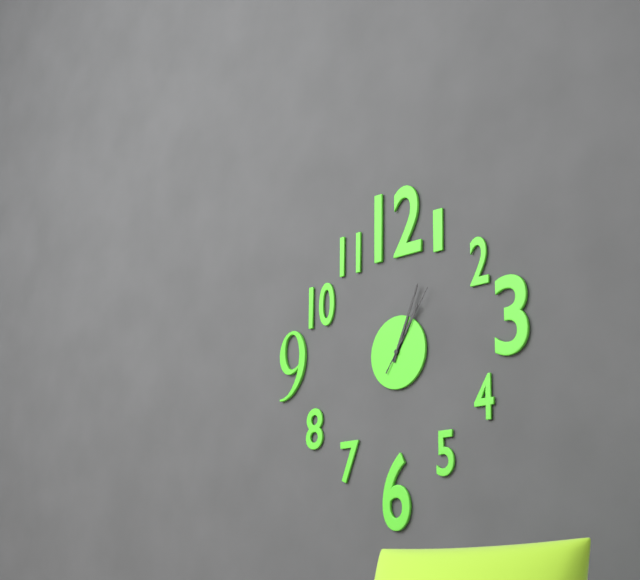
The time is {"hour": 1, "minute": 4, "second": 6}
